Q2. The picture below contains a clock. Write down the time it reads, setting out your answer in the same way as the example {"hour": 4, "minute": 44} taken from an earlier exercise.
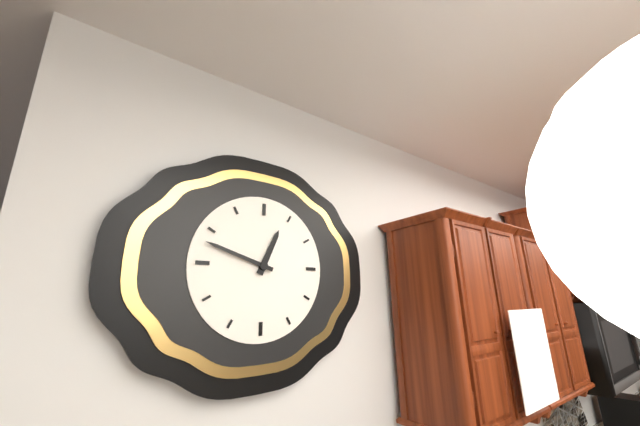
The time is {"hour": 12, "minute": 48}
